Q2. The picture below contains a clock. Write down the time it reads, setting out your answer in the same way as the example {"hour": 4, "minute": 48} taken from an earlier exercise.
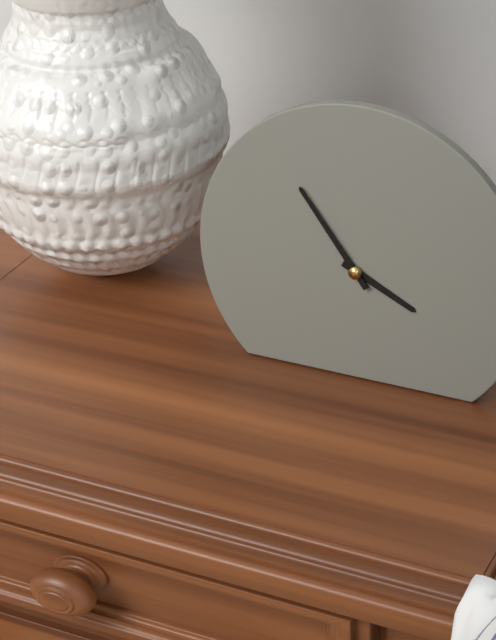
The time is {"hour": 3, "minute": 54}
